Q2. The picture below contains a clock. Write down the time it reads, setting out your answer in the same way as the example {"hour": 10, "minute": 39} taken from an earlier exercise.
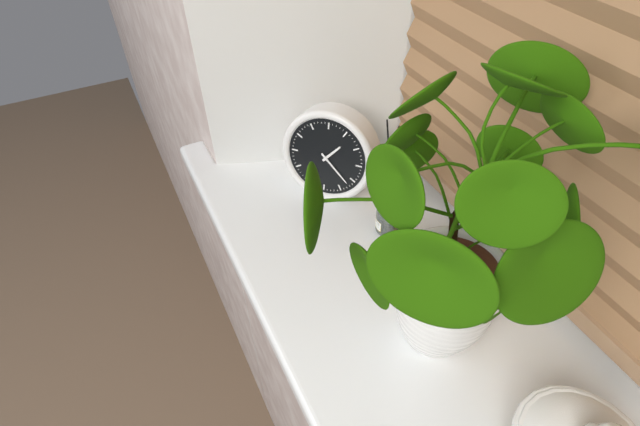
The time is {"hour": 1, "minute": 22}
